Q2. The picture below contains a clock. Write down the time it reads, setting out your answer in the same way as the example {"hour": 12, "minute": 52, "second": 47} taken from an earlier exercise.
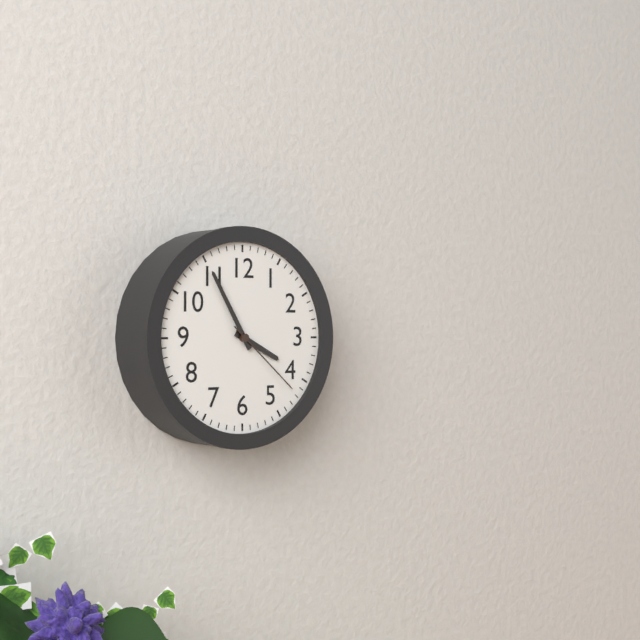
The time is {"hour": 3, "minute": 55, "second": 22}
